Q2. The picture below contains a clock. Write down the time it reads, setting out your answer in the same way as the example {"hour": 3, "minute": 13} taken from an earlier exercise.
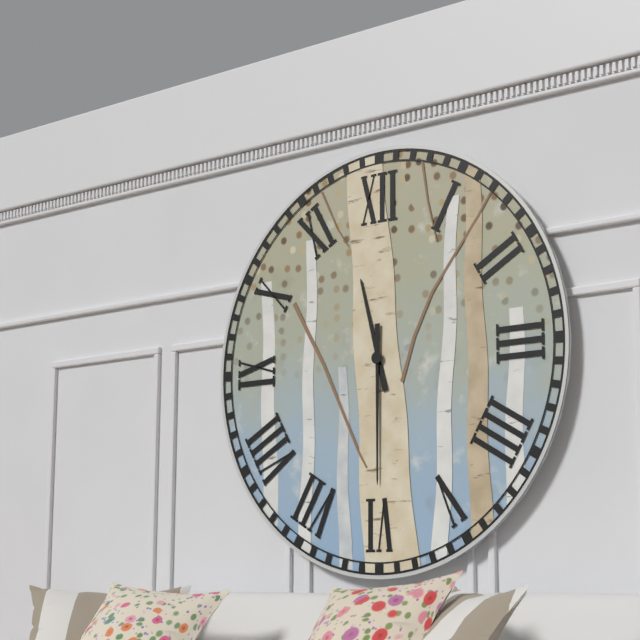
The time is {"hour": 11, "minute": 30}
